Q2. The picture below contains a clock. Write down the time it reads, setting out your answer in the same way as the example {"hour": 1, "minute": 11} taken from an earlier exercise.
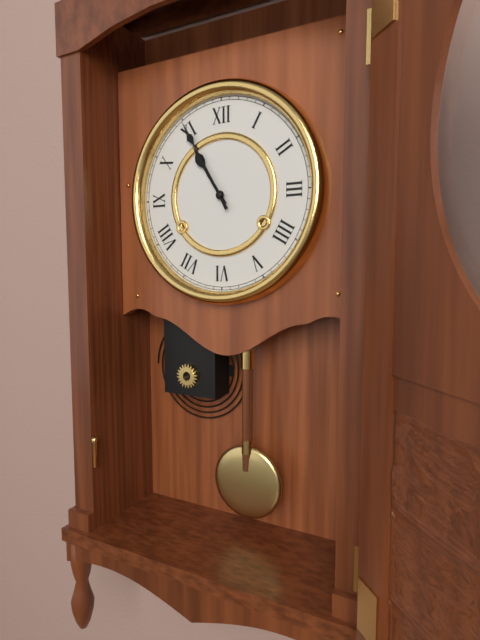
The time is {"hour": 10, "minute": 55}
